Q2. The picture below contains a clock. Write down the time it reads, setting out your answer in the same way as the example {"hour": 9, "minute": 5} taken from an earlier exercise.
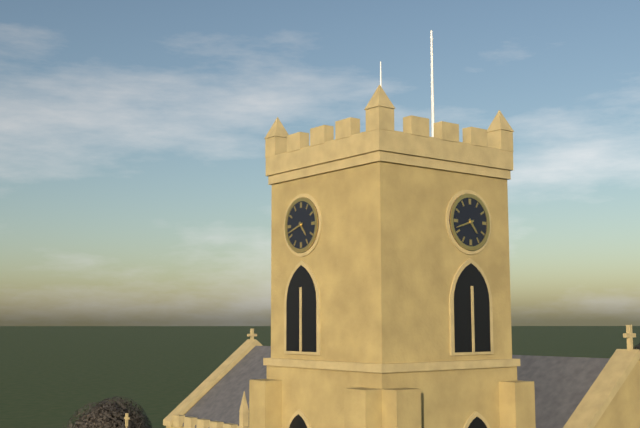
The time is {"hour": 4, "minute": 42}
